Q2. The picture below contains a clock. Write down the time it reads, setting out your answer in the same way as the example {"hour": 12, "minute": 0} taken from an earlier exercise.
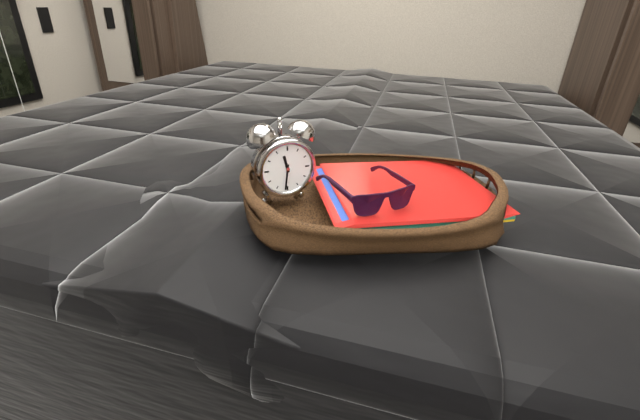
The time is {"hour": 11, "minute": 31}
